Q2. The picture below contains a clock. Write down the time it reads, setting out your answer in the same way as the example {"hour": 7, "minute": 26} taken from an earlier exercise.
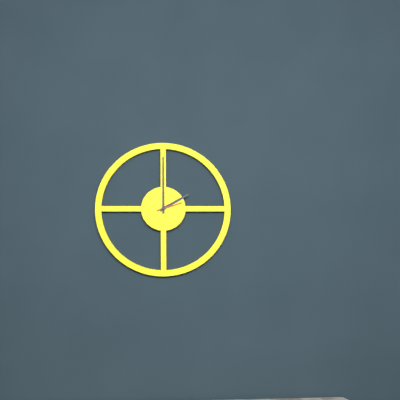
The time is {"hour": 2, "minute": 0}
